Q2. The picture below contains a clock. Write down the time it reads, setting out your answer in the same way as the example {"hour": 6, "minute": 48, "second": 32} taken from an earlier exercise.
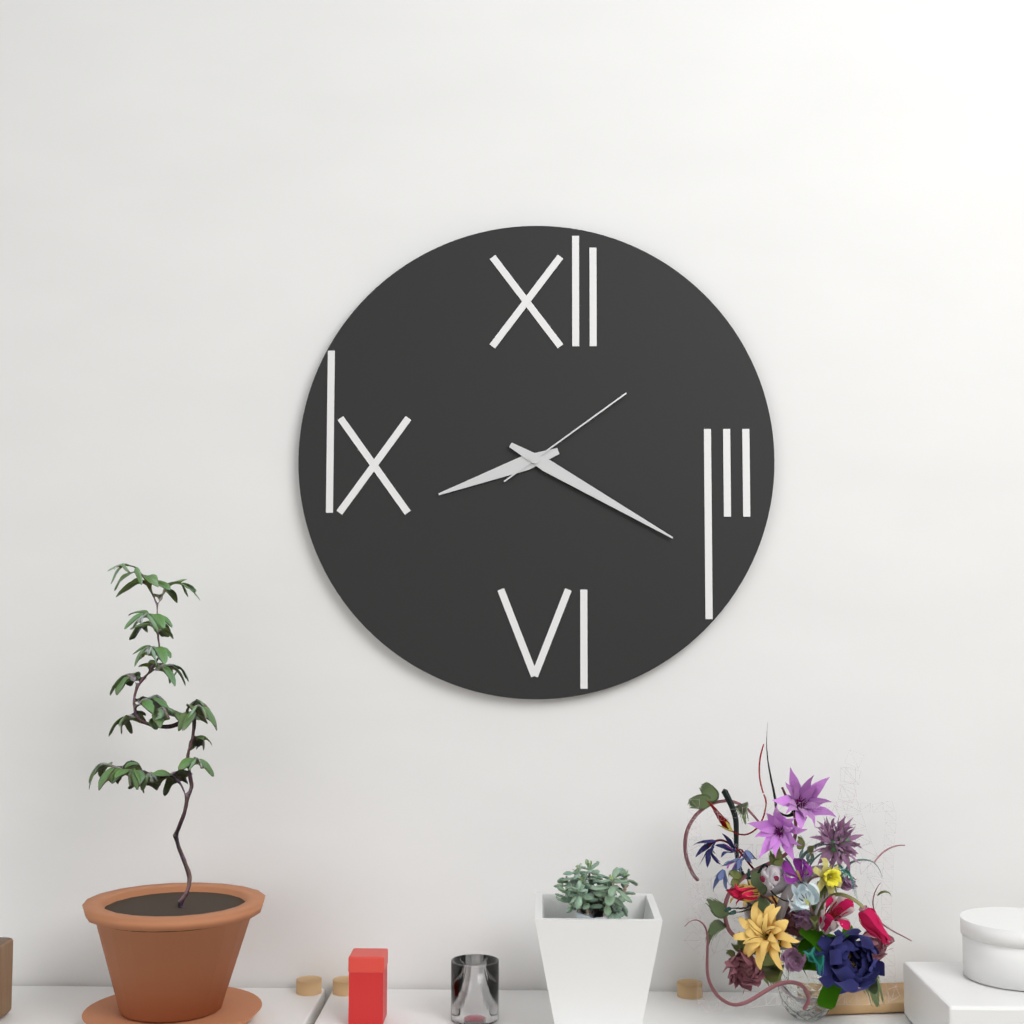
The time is {"hour": 8, "minute": 20, "second": 9}
